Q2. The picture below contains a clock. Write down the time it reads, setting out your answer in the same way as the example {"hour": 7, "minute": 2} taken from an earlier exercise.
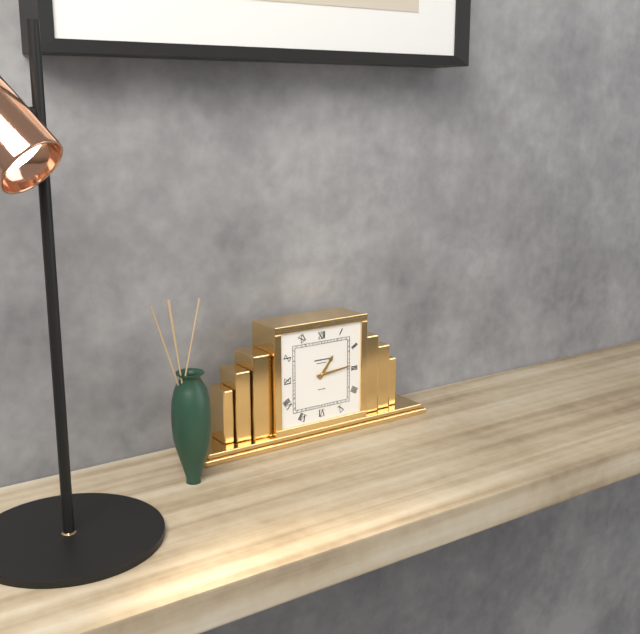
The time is {"hour": 1, "minute": 14}
